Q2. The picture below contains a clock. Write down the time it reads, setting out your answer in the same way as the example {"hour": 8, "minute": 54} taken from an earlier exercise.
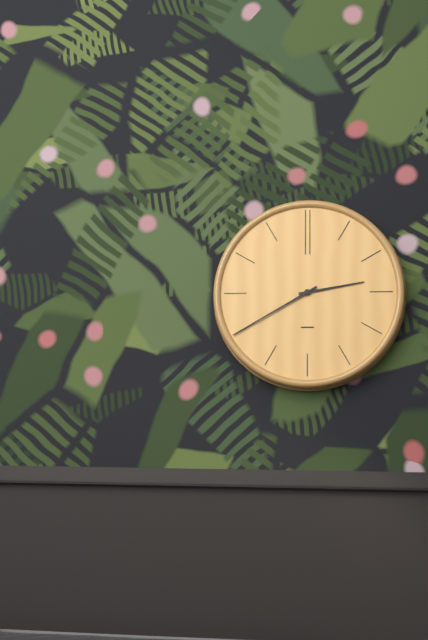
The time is {"hour": 2, "minute": 40}
